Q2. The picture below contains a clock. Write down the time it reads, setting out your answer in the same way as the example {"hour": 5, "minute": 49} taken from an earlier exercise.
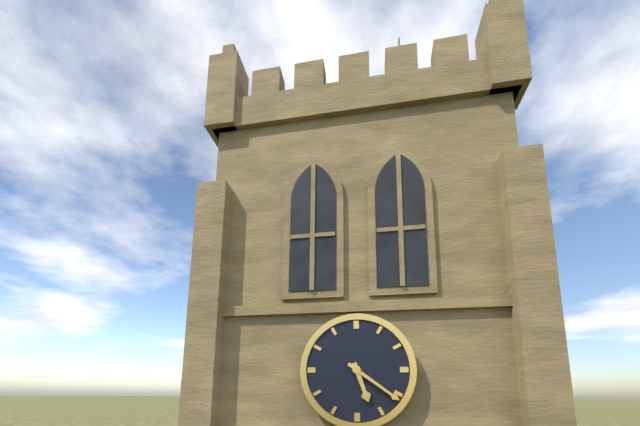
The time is {"hour": 5, "minute": 21}
